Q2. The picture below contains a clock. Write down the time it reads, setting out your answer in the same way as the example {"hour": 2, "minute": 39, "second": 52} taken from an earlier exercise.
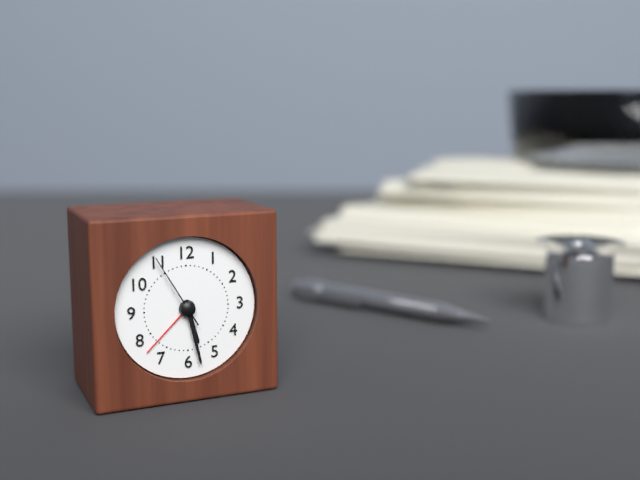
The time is {"hour": 5, "minute": 28, "second": 55}
